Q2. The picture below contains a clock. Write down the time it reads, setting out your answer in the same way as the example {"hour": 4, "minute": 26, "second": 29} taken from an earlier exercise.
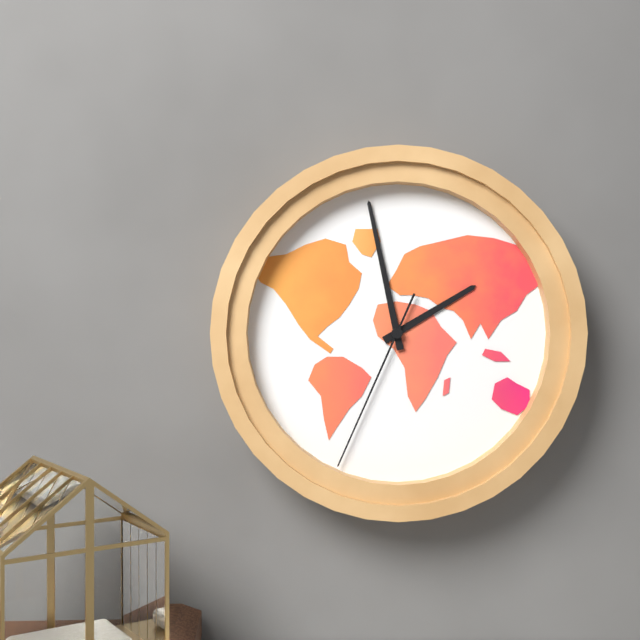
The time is {"hour": 1, "minute": 58, "second": 34}
